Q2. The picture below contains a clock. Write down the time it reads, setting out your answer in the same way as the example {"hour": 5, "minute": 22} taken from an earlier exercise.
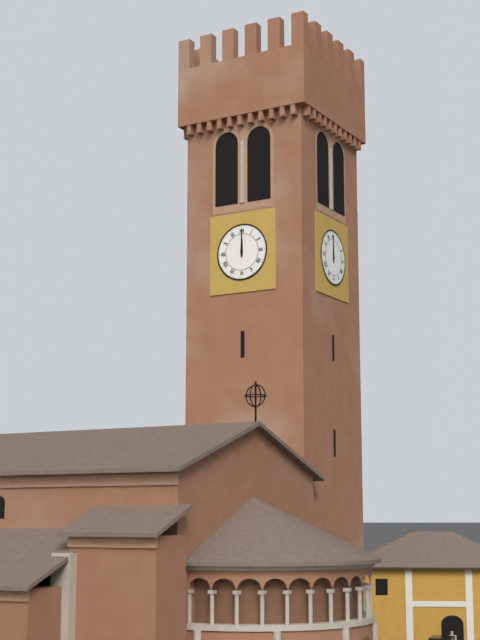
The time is {"hour": 12, "minute": 0}
